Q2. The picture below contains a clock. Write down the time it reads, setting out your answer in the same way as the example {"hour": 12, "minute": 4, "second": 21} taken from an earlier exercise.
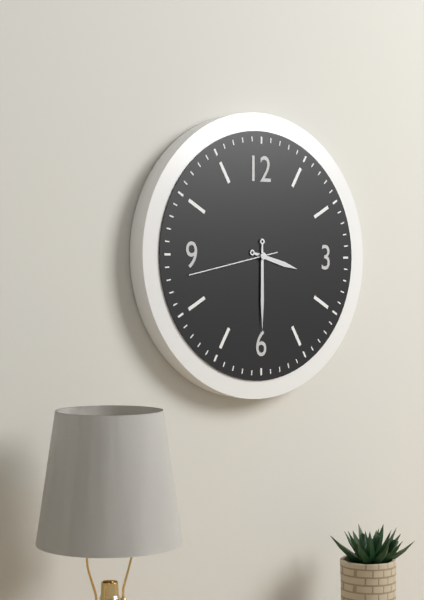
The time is {"hour": 3, "minute": 30, "second": 43}
